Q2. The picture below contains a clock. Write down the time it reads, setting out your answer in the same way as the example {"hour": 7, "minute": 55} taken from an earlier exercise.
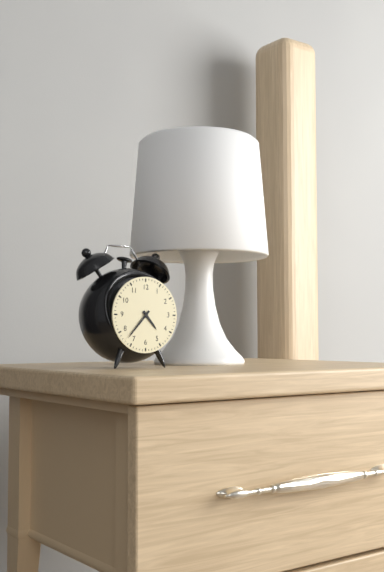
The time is {"hour": 4, "minute": 37}
